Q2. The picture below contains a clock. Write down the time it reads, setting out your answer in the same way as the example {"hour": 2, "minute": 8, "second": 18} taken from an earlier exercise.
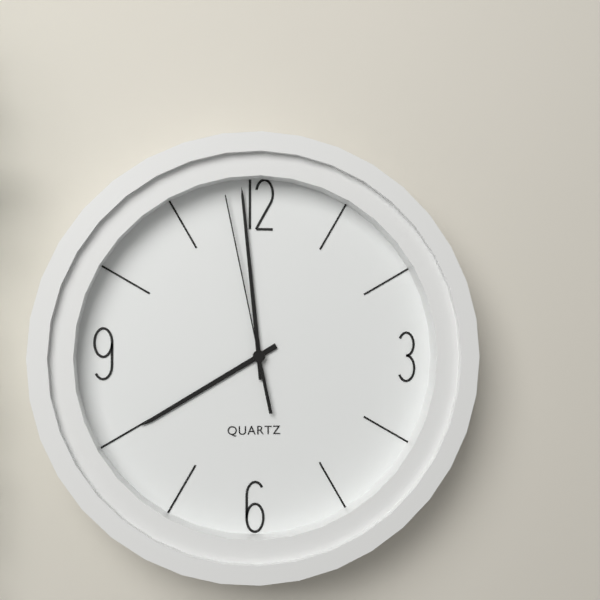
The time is {"hour": 7, "minute": 59, "second": 58}
